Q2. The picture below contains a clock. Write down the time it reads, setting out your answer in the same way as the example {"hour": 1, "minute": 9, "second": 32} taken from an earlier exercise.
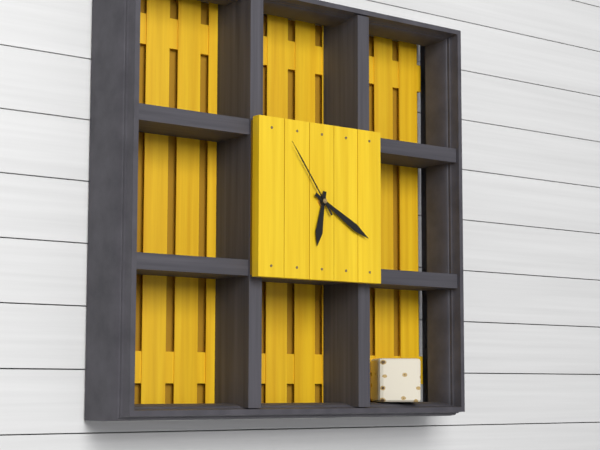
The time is {"hour": 6, "minute": 20, "second": 54}
